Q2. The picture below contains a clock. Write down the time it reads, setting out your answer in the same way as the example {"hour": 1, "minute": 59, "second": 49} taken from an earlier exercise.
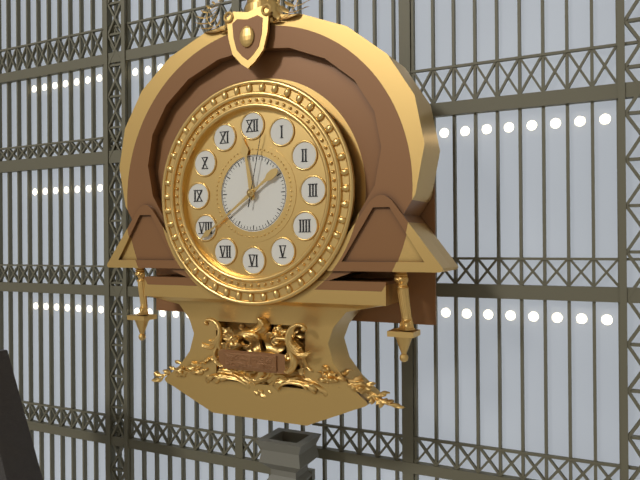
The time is {"hour": 11, "minute": 39, "second": 2}
